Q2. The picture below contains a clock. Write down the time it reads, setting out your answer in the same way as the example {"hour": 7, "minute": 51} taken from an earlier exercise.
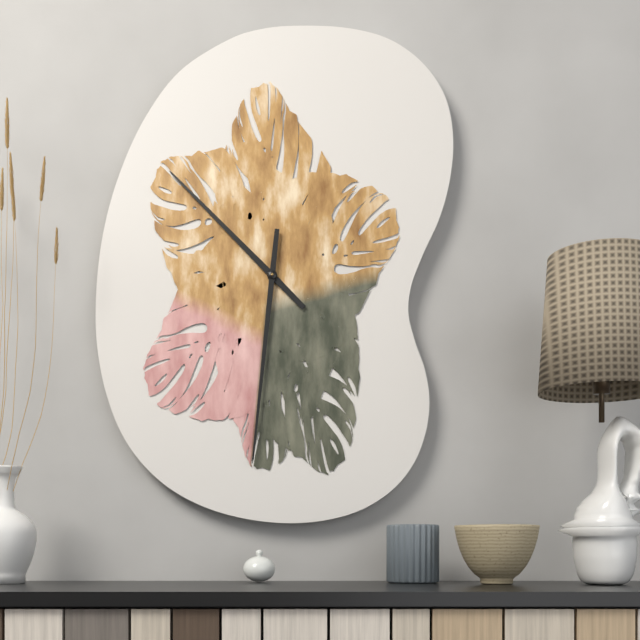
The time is {"hour": 10, "minute": 31}
